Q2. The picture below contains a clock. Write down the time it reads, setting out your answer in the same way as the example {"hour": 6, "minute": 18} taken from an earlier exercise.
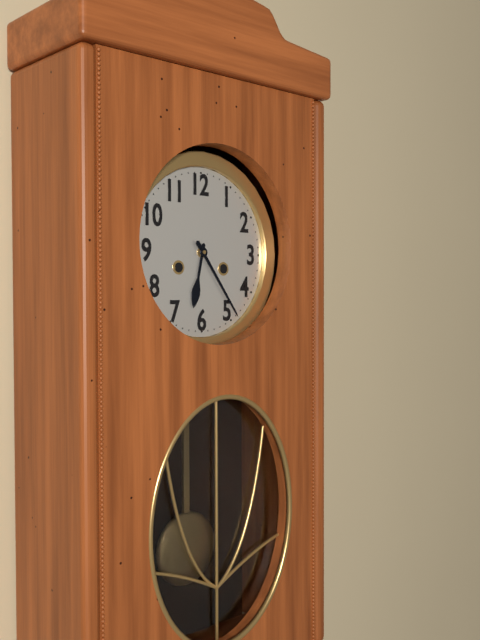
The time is {"hour": 6, "minute": 24}
